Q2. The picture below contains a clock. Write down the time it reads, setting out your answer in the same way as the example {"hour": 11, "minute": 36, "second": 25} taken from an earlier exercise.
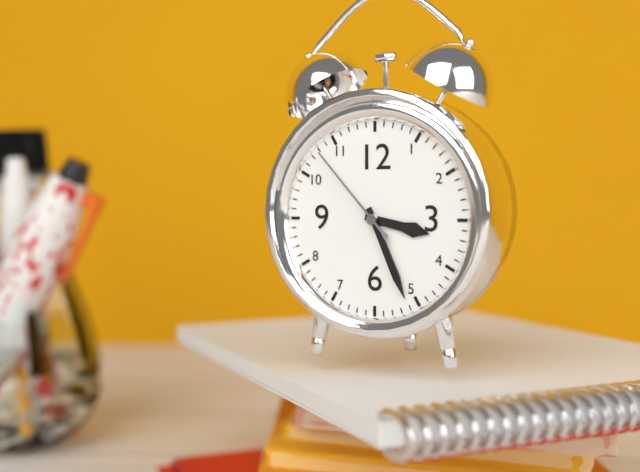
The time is {"hour": 3, "minute": 26, "second": 53}
